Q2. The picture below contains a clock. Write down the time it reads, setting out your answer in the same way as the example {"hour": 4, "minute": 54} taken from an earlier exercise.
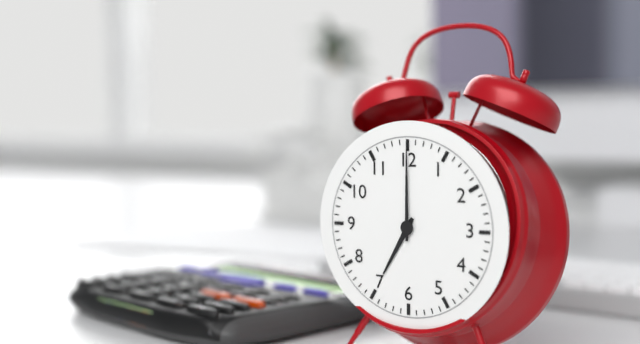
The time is {"hour": 7, "minute": 0}
